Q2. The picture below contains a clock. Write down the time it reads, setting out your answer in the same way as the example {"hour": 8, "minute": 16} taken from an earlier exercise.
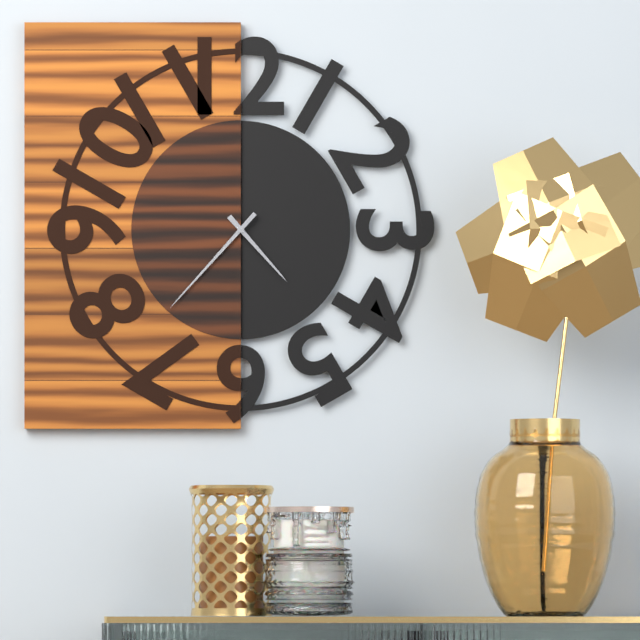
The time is {"hour": 4, "minute": 37}
